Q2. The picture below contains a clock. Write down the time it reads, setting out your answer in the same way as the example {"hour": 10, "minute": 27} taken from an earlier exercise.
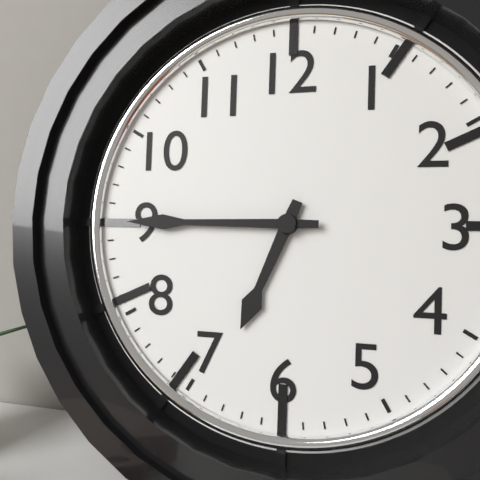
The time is {"hour": 6, "minute": 45}
